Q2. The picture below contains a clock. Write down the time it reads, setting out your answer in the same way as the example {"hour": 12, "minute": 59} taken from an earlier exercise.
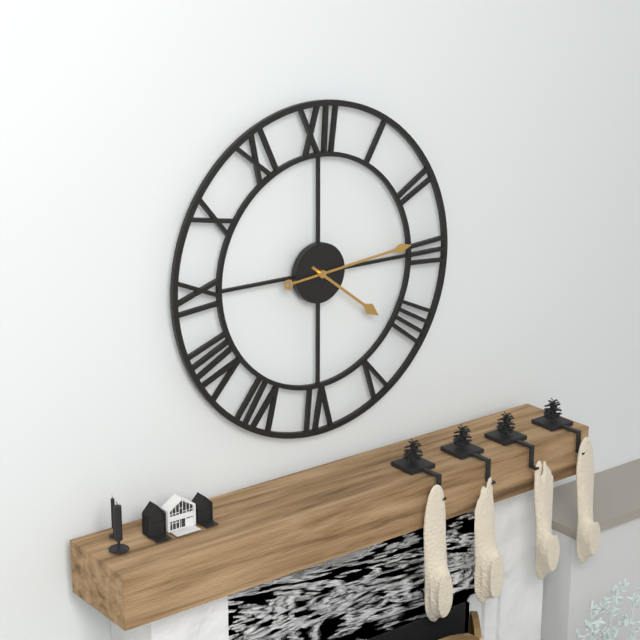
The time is {"hour": 4, "minute": 14}
